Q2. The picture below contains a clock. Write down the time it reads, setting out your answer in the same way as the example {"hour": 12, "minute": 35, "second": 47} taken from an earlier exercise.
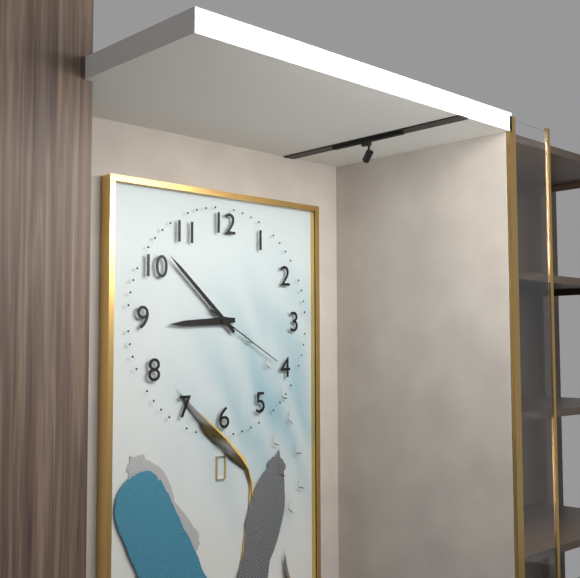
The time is {"hour": 8, "minute": 52, "second": 20}
